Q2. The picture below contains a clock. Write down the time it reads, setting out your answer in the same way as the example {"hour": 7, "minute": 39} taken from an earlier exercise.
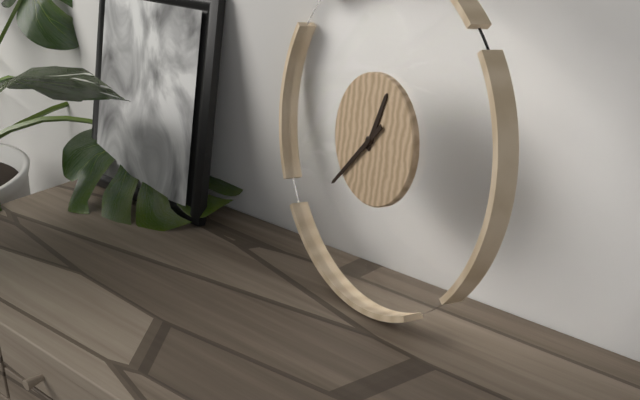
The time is {"hour": 12, "minute": 37}
